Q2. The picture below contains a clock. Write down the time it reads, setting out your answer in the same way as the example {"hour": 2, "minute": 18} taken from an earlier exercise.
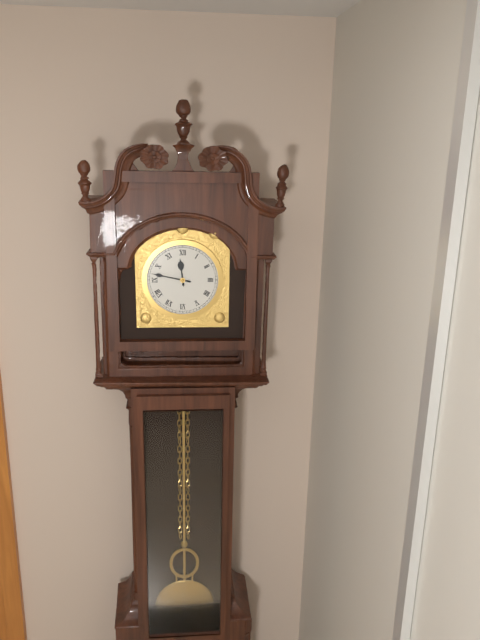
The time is {"hour": 11, "minute": 47}
